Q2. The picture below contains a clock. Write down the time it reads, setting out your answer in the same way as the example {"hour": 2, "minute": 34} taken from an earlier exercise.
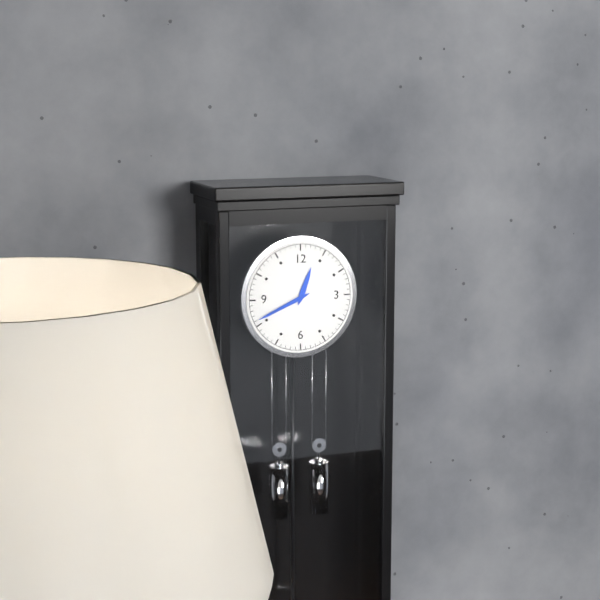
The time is {"hour": 12, "minute": 41}
